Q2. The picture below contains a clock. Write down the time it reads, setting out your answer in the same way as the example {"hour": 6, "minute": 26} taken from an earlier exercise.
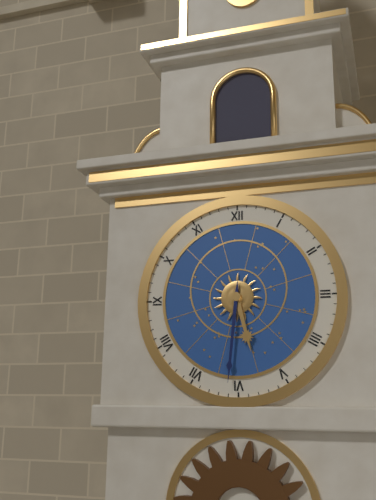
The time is {"hour": 5, "minute": 31}
